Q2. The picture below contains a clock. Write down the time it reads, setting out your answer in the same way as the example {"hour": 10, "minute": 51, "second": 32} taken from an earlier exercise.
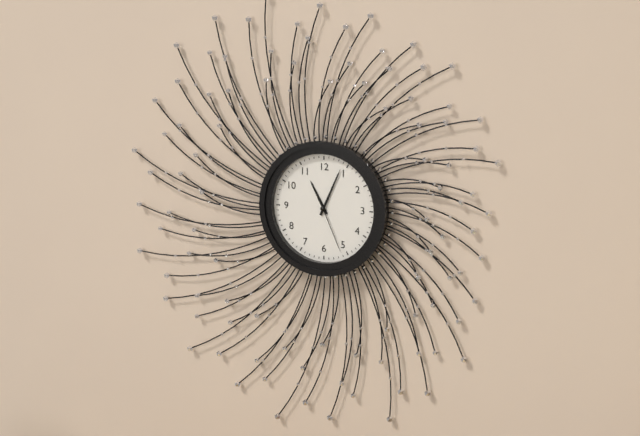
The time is {"hour": 11, "minute": 4, "second": 26}
